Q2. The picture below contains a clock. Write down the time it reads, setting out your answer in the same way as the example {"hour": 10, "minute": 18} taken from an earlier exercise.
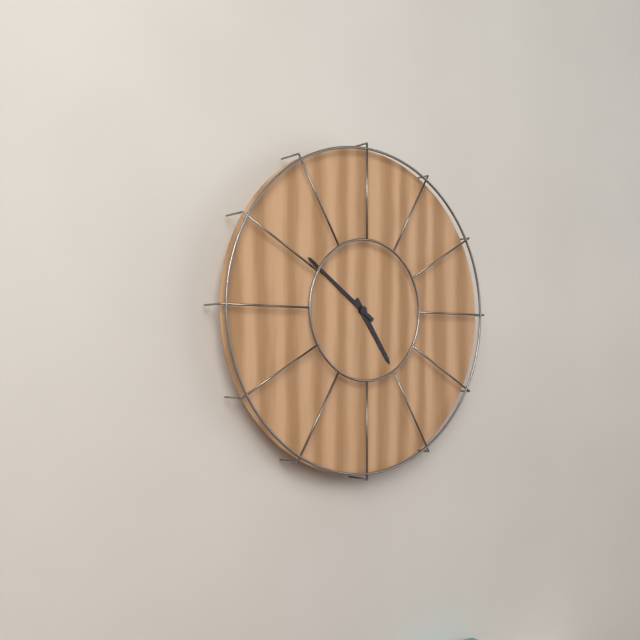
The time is {"hour": 4, "minute": 51}
